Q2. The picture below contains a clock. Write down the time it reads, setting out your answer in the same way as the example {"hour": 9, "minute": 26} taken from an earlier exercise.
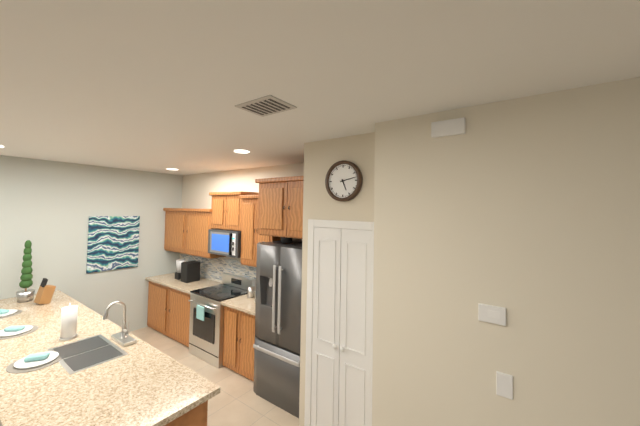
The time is {"hour": 5, "minute": 13}
